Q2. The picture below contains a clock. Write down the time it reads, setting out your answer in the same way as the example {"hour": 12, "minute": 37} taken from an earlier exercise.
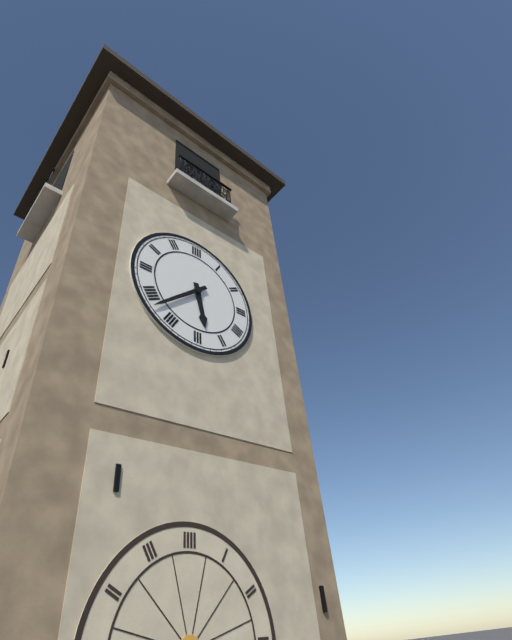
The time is {"hour": 5, "minute": 38}
